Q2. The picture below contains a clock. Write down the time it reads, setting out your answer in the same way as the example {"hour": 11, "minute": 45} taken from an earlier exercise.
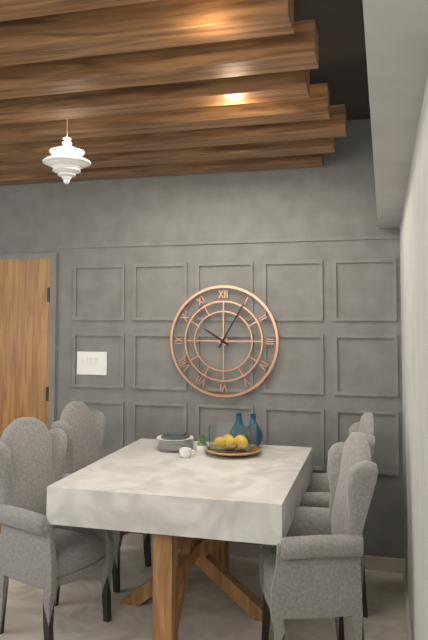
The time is {"hour": 10, "minute": 5}
